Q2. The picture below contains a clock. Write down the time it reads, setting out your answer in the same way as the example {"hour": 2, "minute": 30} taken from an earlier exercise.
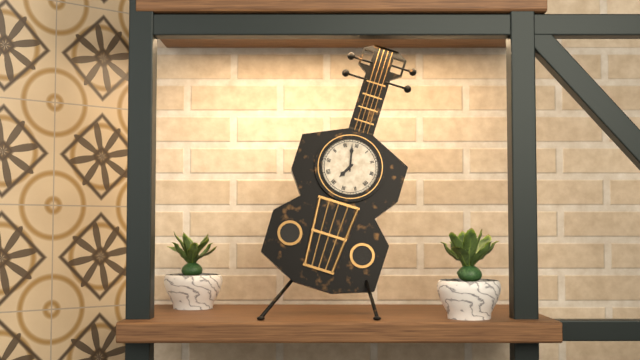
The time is {"hour": 6, "minute": 58}
